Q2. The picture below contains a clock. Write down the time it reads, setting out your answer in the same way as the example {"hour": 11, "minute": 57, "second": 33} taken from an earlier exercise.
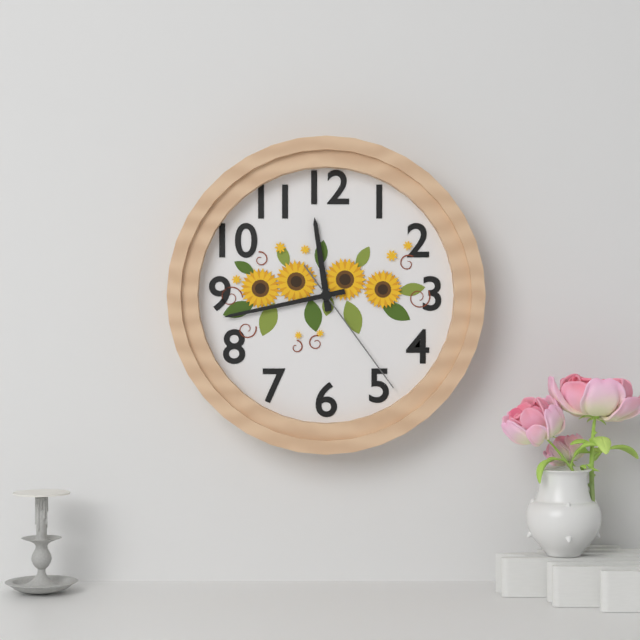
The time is {"hour": 11, "minute": 43, "second": 24}
